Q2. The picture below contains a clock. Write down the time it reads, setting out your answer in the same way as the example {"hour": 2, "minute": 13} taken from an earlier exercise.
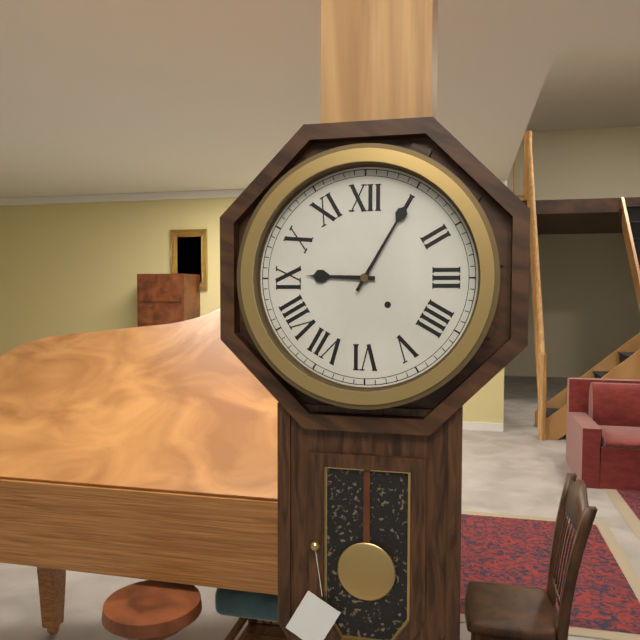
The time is {"hour": 9, "minute": 5}
